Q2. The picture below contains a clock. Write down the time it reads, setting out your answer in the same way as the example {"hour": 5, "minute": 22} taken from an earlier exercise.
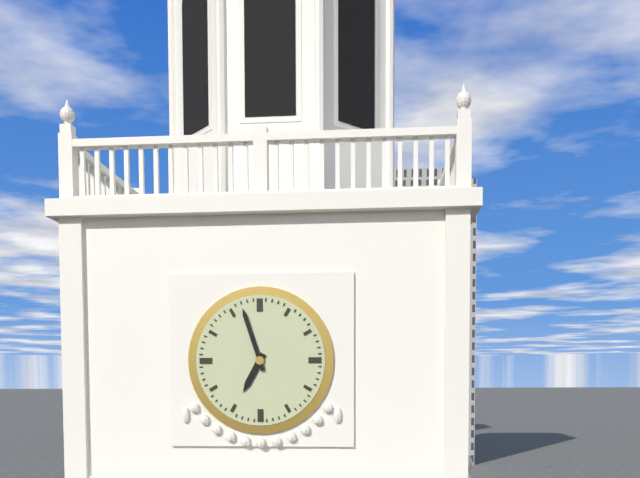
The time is {"hour": 6, "minute": 57}
